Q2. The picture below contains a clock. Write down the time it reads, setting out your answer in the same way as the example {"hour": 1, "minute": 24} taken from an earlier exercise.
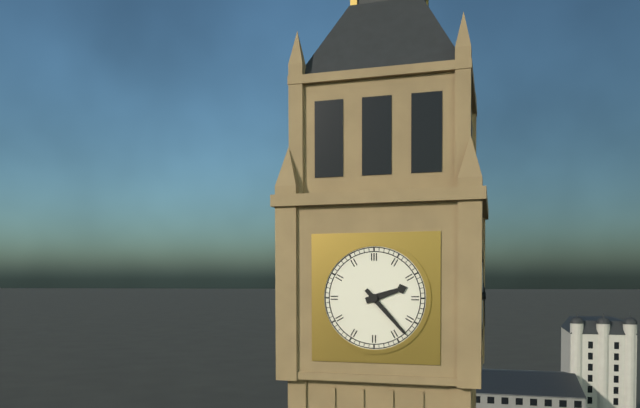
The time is {"hour": 2, "minute": 23}
